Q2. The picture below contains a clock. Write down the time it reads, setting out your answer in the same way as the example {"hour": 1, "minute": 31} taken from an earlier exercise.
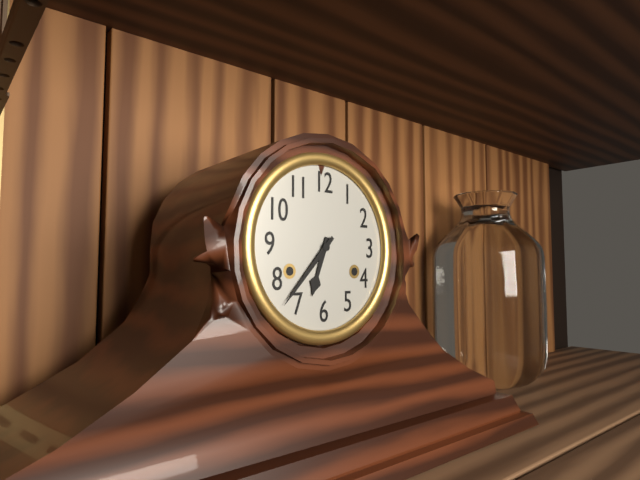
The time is {"hour": 6, "minute": 37}
